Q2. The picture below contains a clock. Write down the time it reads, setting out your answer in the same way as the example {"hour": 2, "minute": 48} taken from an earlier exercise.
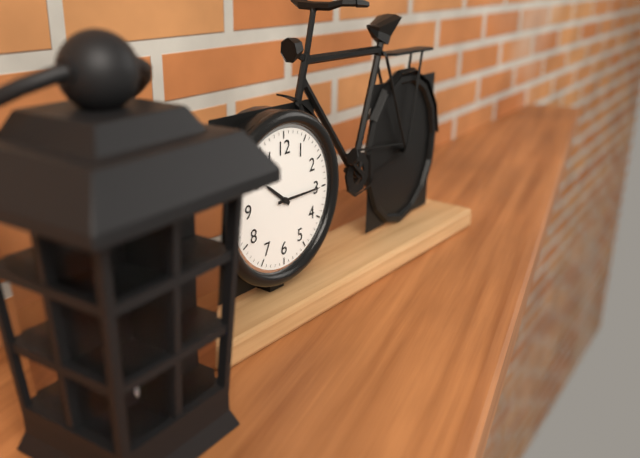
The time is {"hour": 10, "minute": 15}
